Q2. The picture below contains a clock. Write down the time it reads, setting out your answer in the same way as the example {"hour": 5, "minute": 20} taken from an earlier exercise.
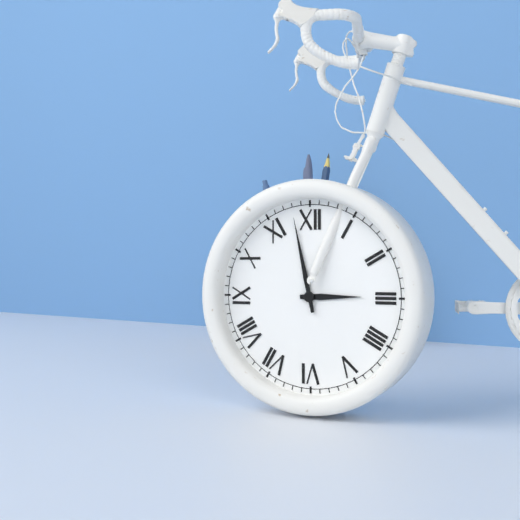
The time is {"hour": 2, "minute": 58}
